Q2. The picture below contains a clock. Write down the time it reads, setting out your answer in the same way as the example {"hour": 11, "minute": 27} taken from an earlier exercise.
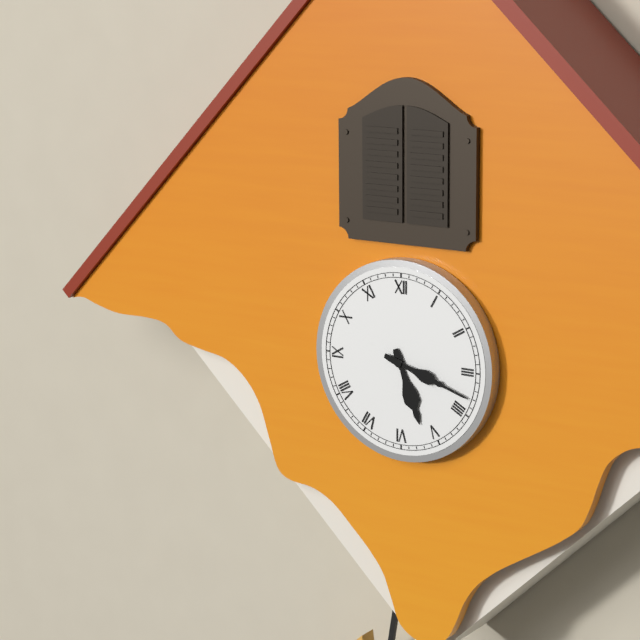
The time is {"hour": 5, "minute": 18}
